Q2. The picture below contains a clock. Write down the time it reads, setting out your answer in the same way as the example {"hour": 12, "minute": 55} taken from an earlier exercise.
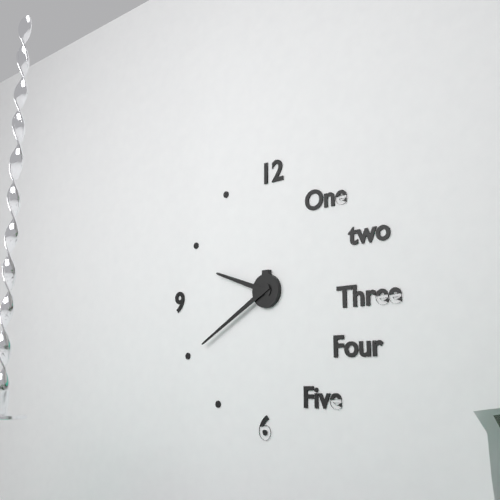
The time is {"hour": 9, "minute": 40}
